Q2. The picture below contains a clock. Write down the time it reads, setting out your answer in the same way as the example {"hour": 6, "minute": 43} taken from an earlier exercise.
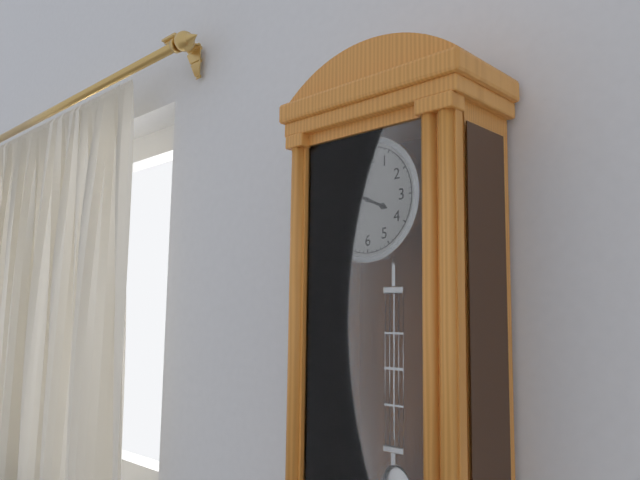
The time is {"hour": 3, "minute": 49}
